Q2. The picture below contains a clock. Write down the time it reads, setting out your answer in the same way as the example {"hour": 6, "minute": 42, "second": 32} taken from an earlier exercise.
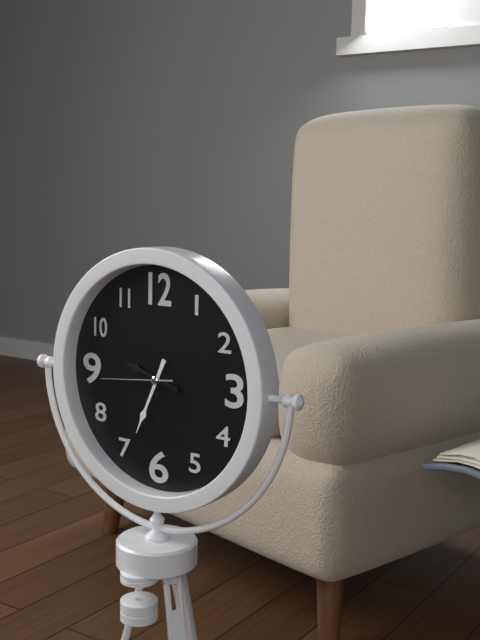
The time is {"hour": 9, "minute": 34, "second": 44}
